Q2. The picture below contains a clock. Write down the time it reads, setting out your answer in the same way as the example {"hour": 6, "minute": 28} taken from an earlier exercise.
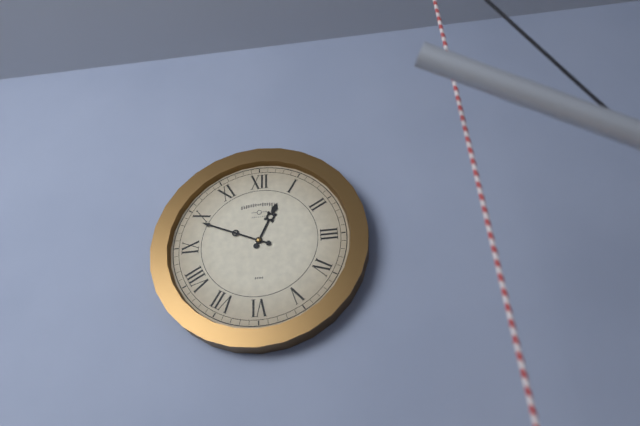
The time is {"hour": 12, "minute": 49}
